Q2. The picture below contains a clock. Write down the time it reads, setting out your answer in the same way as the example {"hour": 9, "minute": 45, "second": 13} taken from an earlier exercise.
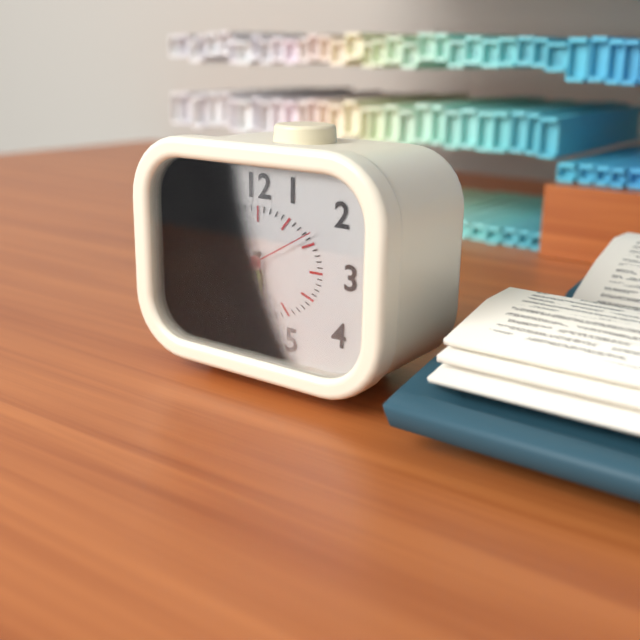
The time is {"hour": 5, "minute": 35, "second": 10}
